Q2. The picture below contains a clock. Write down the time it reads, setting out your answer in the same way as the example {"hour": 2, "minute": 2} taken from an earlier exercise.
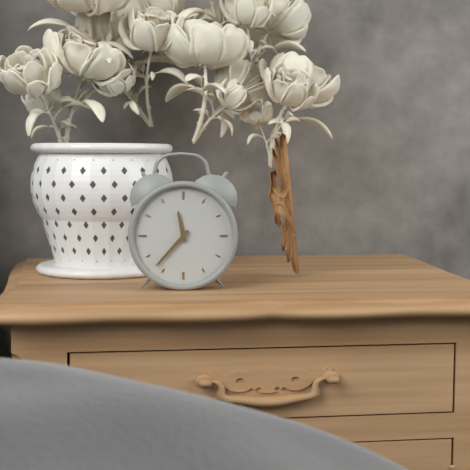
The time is {"hour": 11, "minute": 37}
